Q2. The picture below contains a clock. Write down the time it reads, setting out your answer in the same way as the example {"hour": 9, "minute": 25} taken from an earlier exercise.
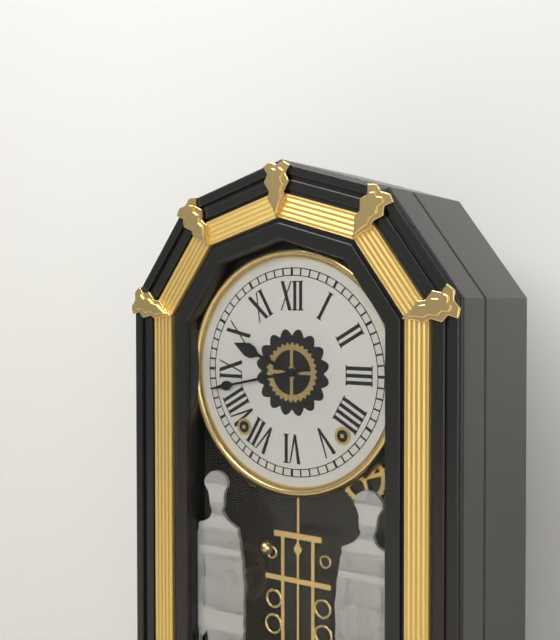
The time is {"hour": 9, "minute": 43}
